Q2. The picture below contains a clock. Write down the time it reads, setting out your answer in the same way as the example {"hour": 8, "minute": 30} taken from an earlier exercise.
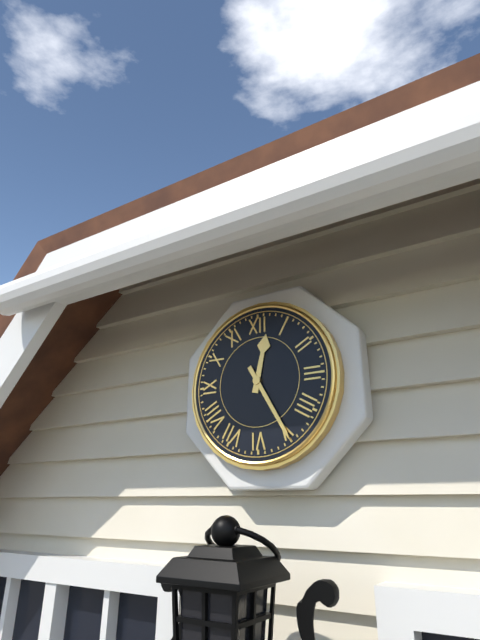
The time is {"hour": 12, "minute": 25}
